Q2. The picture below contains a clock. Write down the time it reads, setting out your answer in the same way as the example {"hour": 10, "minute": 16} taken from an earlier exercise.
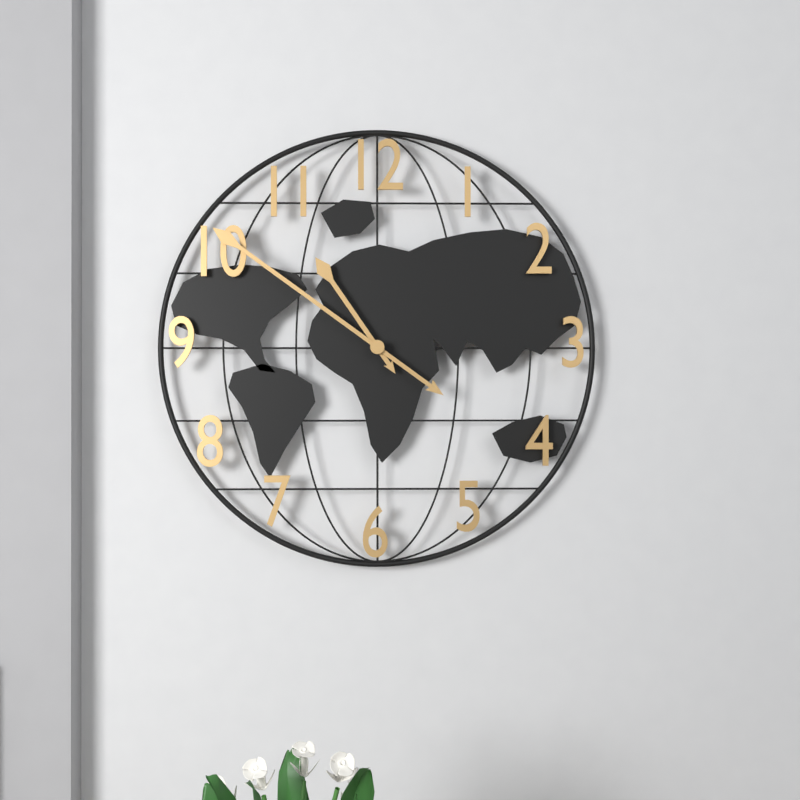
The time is {"hour": 10, "minute": 51}
